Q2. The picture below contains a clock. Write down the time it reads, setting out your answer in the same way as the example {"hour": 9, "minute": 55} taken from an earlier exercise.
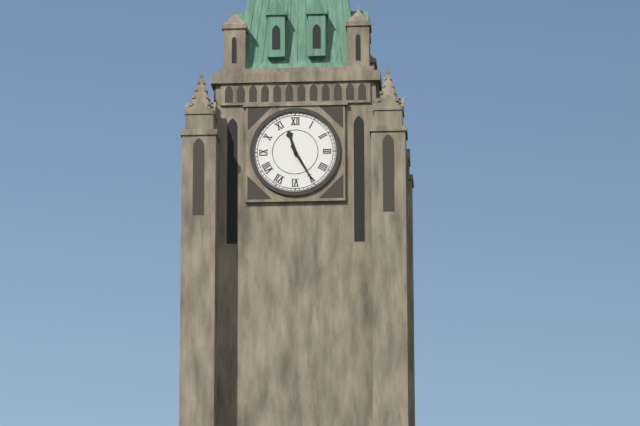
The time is {"hour": 11, "minute": 25}
